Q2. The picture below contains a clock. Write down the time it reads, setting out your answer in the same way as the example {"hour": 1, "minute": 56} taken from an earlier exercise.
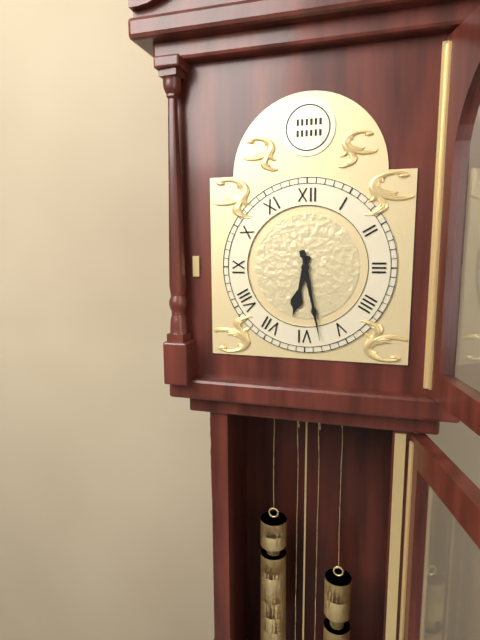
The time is {"hour": 6, "minute": 28}
